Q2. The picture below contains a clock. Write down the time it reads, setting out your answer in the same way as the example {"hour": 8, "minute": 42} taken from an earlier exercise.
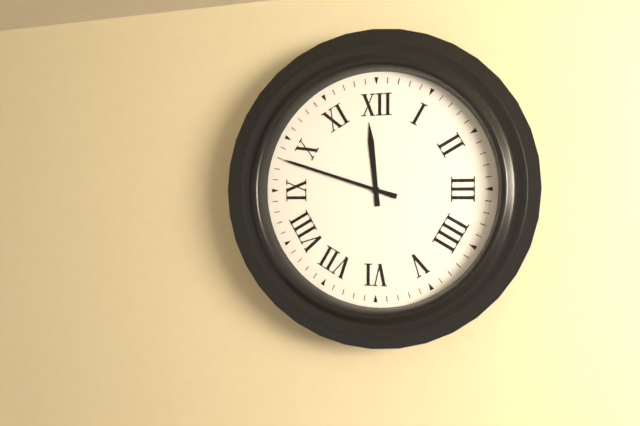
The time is {"hour": 11, "minute": 48}
